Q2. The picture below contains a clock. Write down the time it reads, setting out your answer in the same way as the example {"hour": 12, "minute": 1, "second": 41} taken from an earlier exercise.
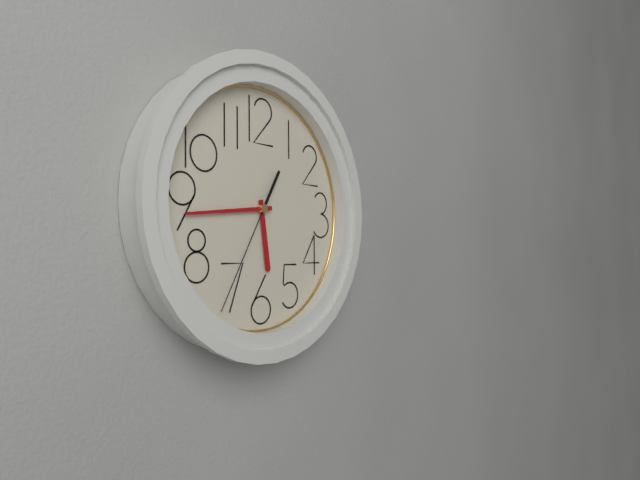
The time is {"hour": 5, "minute": 44, "second": 35}
